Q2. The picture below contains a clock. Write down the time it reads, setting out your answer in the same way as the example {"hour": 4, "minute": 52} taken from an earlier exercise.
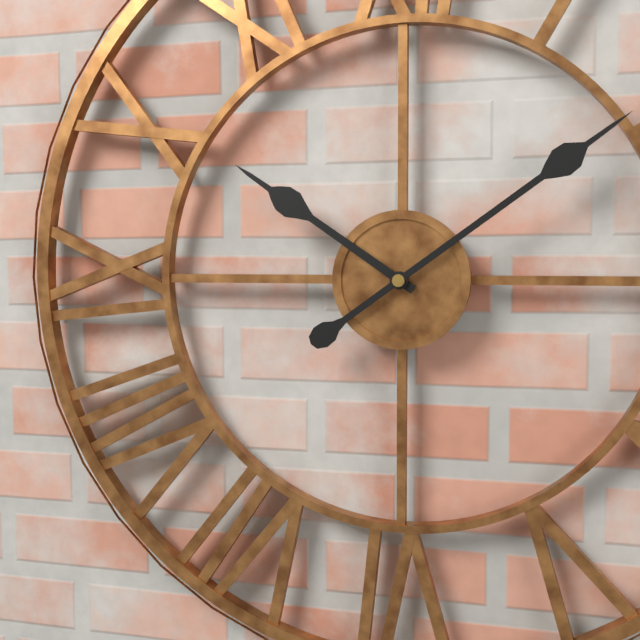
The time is {"hour": 10, "minute": 9}
